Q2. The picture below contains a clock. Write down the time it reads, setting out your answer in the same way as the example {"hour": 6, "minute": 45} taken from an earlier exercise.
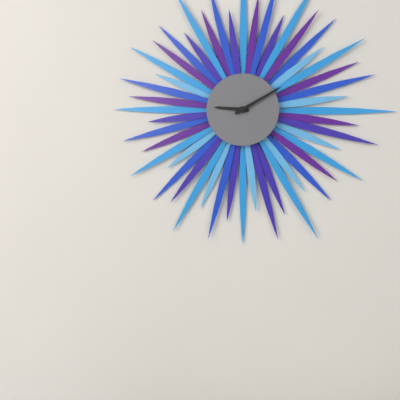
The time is {"hour": 9, "minute": 10}
